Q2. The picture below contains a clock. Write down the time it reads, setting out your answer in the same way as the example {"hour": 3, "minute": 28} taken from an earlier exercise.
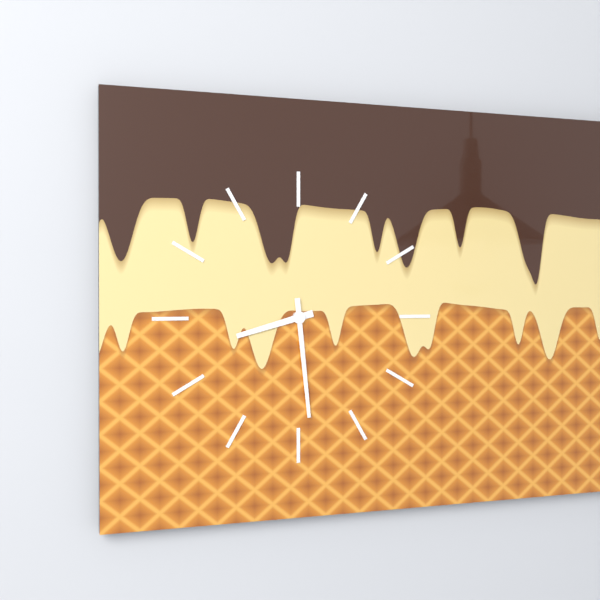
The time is {"hour": 8, "minute": 29}
